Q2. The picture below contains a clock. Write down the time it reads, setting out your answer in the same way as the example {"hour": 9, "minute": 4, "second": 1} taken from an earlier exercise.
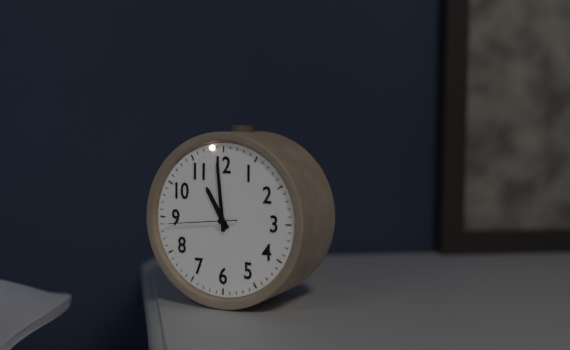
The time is {"hour": 10, "minute": 59, "second": 44}
